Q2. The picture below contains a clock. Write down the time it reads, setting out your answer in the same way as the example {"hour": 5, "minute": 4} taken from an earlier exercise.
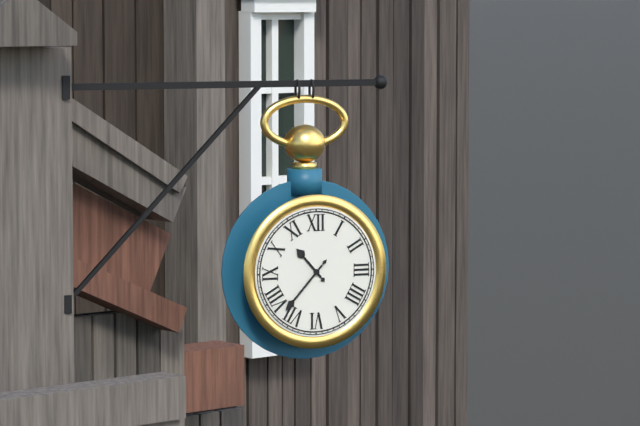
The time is {"hour": 10, "minute": 37}
